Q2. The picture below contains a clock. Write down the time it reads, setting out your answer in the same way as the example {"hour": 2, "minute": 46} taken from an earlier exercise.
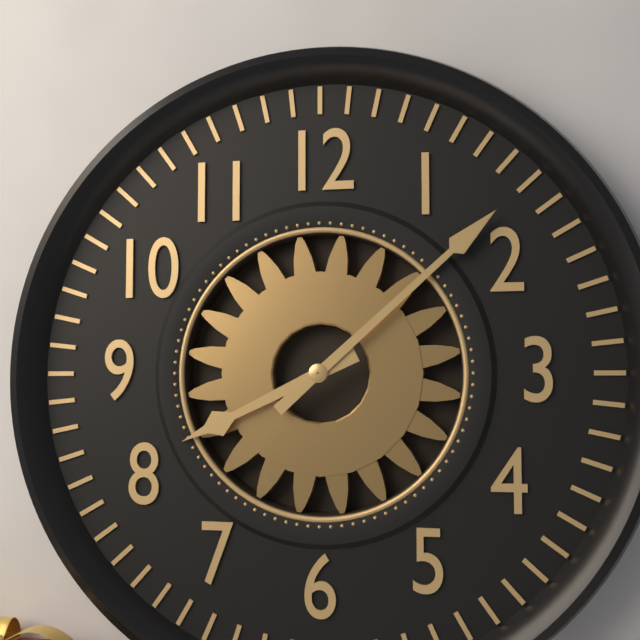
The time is {"hour": 8, "minute": 8}
